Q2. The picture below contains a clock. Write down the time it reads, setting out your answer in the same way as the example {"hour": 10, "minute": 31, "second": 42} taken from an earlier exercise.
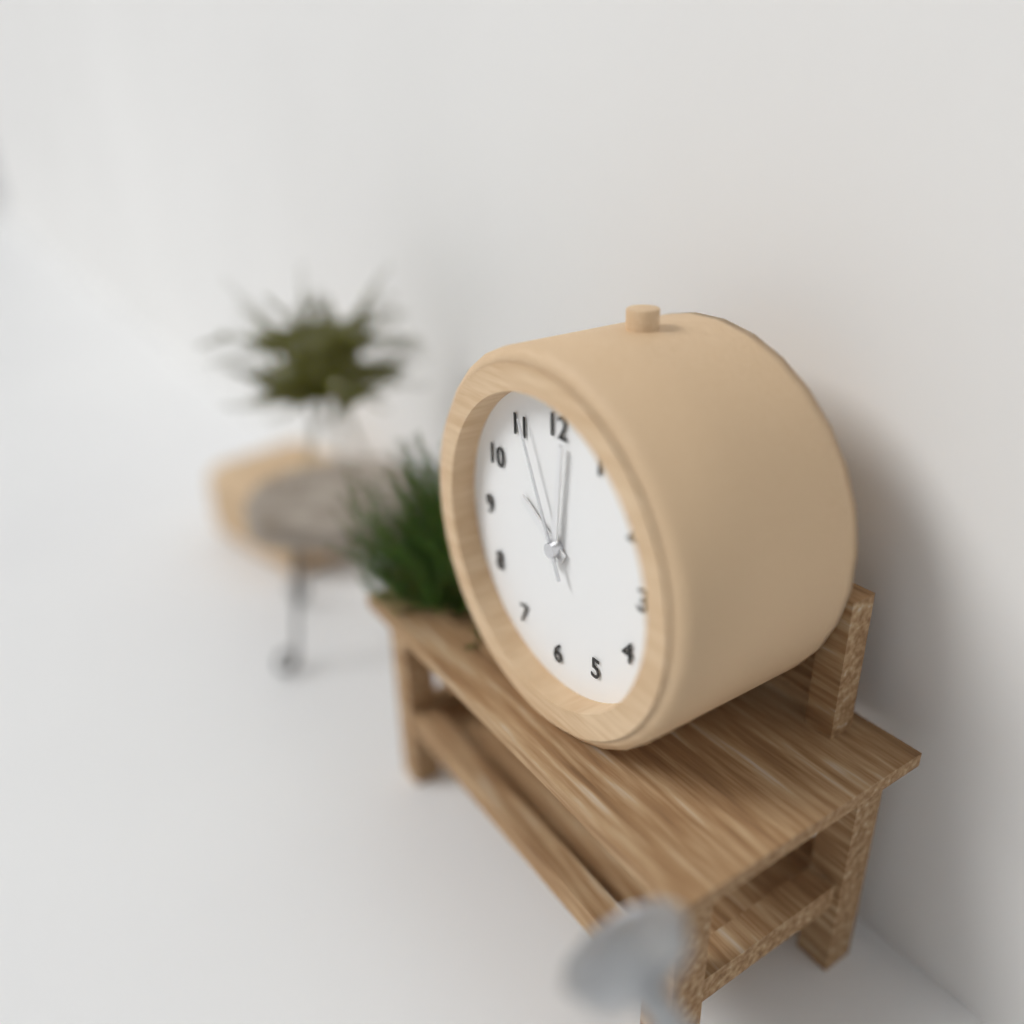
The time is {"hour": 10, "minute": 1, "second": 56}
